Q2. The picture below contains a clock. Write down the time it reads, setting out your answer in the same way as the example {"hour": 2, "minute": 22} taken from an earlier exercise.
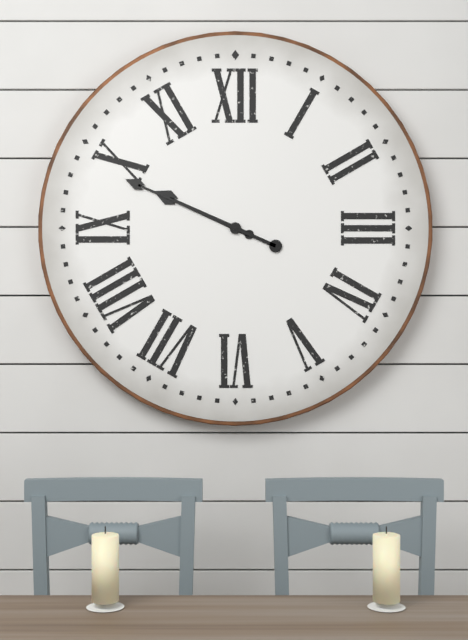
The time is {"hour": 9, "minute": 49}
